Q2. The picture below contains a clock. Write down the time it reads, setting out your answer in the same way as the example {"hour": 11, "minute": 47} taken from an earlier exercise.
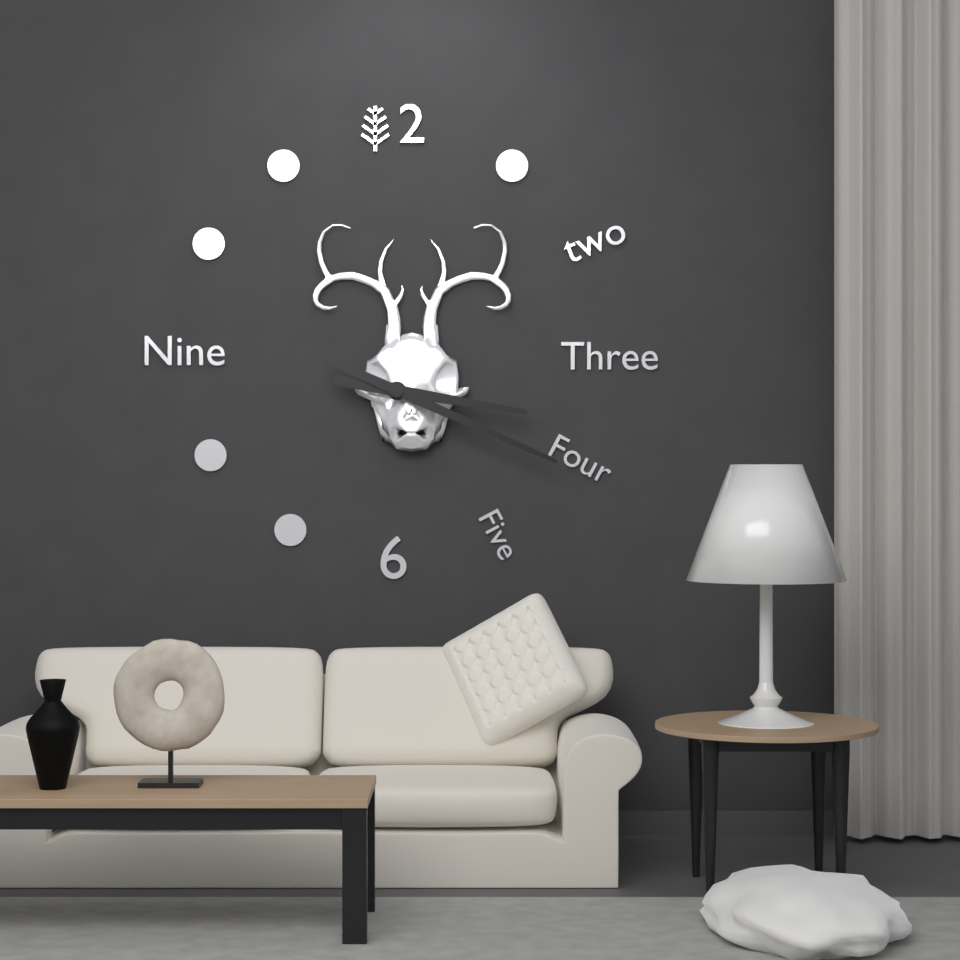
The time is {"hour": 3, "minute": 19}
